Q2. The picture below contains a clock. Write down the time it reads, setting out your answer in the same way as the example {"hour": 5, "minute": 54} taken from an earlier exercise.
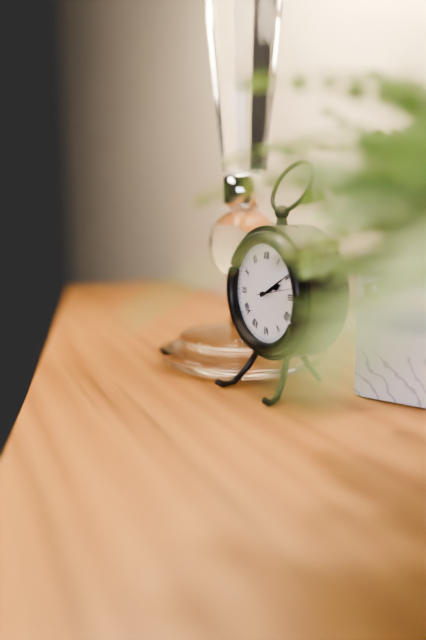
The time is {"hour": 2, "minute": 10}
